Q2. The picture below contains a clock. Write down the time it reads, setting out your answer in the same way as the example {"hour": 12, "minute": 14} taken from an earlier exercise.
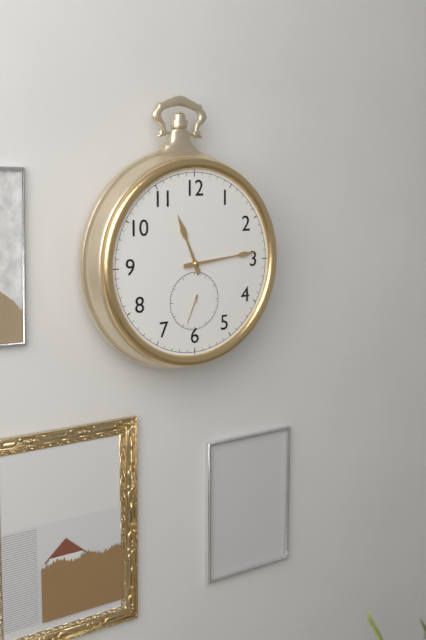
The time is {"hour": 11, "minute": 14}
